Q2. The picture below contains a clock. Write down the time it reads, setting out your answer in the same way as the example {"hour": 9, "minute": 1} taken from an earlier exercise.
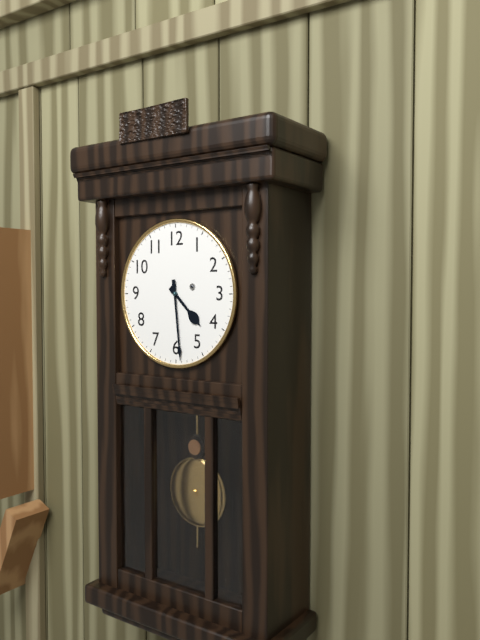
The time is {"hour": 4, "minute": 29}
